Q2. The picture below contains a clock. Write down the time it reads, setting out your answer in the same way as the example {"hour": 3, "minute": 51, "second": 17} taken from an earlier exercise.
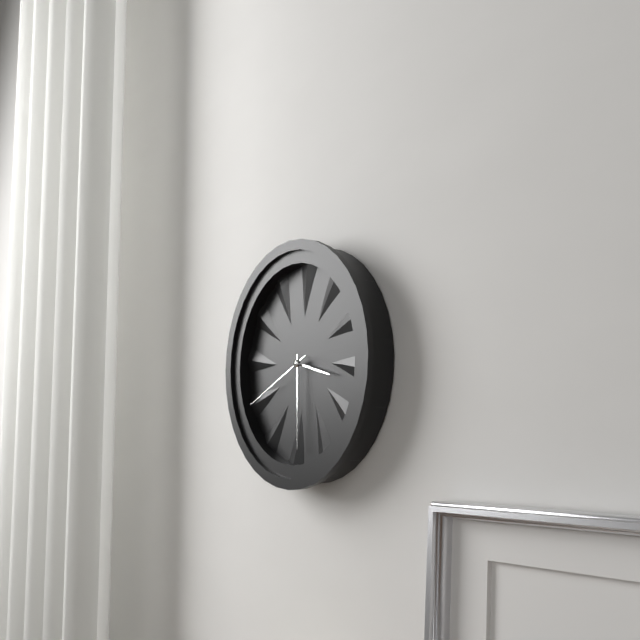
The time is {"hour": 3, "minute": 30, "second": 41}
